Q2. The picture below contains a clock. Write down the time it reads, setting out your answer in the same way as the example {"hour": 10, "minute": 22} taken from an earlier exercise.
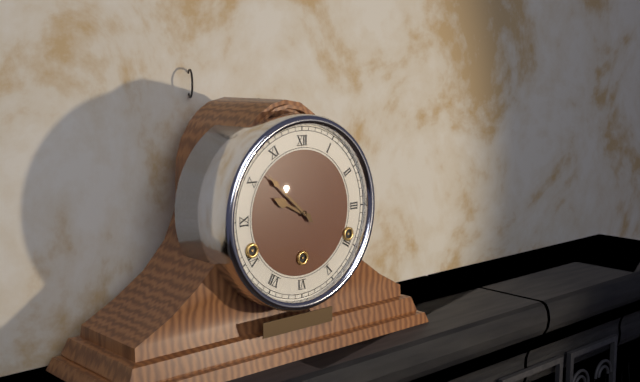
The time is {"hour": 9, "minute": 52}
